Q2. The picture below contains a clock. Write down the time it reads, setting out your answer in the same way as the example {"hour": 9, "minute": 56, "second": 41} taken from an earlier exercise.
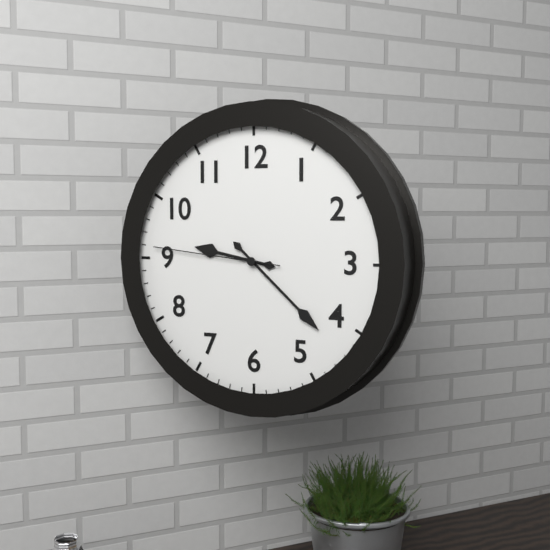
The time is {"hour": 9, "minute": 22, "second": 46}
